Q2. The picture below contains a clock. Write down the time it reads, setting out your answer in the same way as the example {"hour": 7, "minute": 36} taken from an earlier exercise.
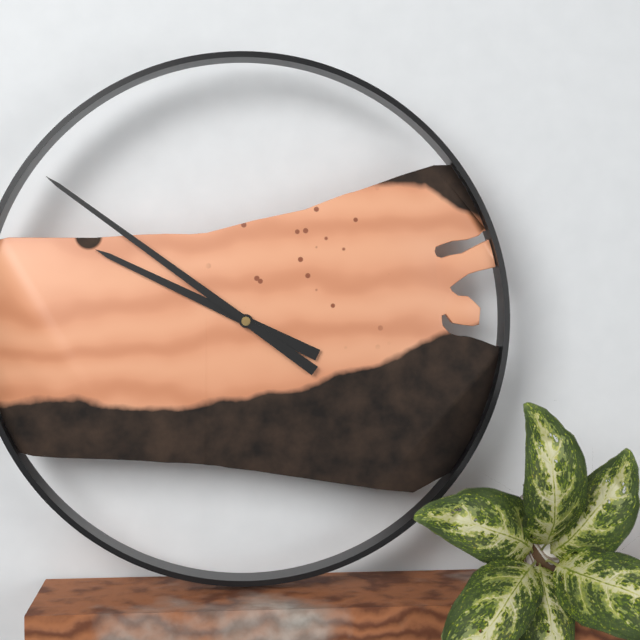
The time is {"hour": 9, "minute": 51}
